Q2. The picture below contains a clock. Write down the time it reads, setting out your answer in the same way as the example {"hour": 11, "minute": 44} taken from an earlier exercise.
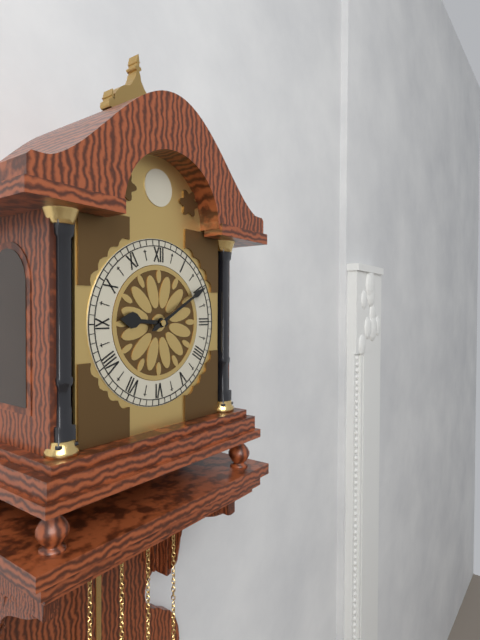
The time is {"hour": 9, "minute": 10}
